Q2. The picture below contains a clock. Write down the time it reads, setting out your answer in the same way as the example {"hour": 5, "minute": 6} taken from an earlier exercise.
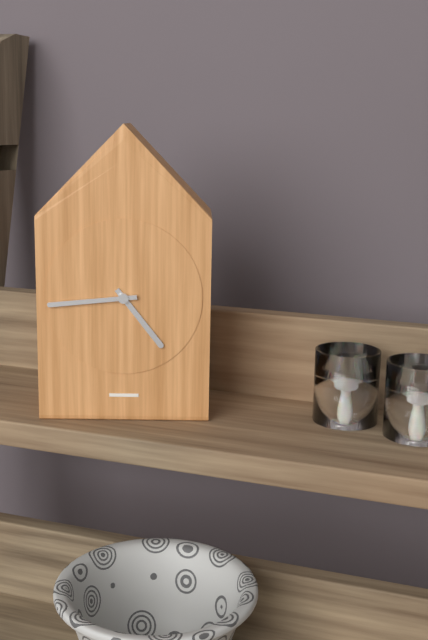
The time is {"hour": 4, "minute": 44}
